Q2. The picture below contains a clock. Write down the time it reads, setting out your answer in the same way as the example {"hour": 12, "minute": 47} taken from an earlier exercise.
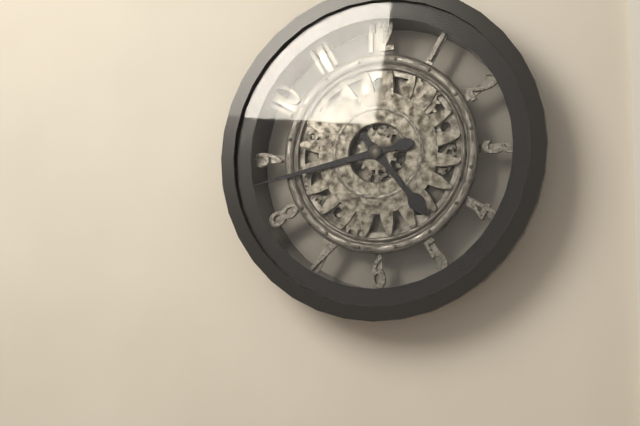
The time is {"hour": 4, "minute": 43}
